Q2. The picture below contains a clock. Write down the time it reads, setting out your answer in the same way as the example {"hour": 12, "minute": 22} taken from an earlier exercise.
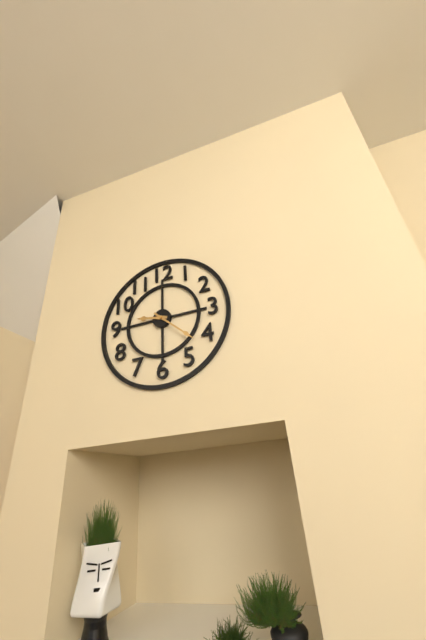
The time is {"hour": 9, "minute": 22}
